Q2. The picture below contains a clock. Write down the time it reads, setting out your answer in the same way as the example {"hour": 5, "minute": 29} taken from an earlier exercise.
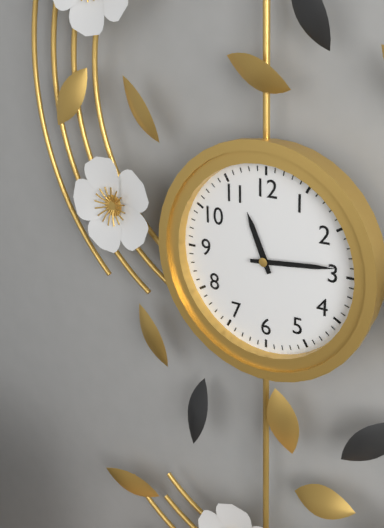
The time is {"hour": 11, "minute": 14}
